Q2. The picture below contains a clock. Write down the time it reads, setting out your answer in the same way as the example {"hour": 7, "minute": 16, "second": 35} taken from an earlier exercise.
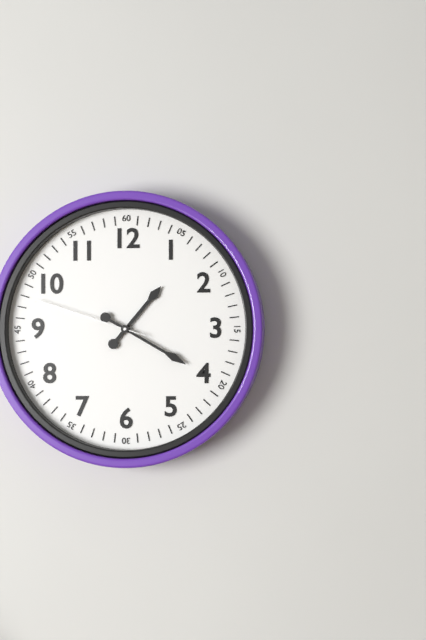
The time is {"hour": 1, "minute": 20, "second": 48}
